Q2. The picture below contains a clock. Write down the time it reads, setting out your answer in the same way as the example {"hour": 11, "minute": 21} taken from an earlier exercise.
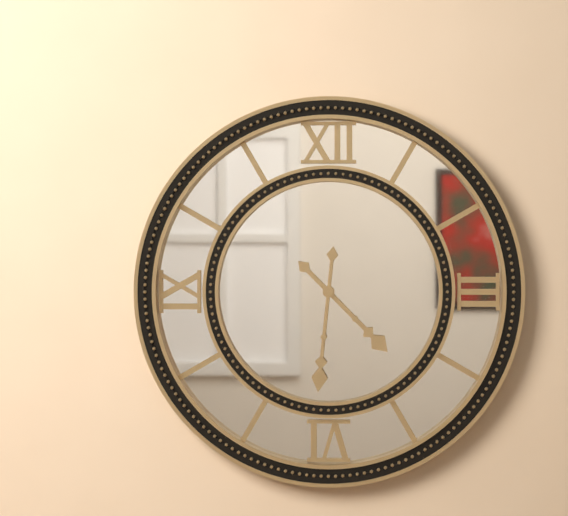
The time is {"hour": 4, "minute": 31}
